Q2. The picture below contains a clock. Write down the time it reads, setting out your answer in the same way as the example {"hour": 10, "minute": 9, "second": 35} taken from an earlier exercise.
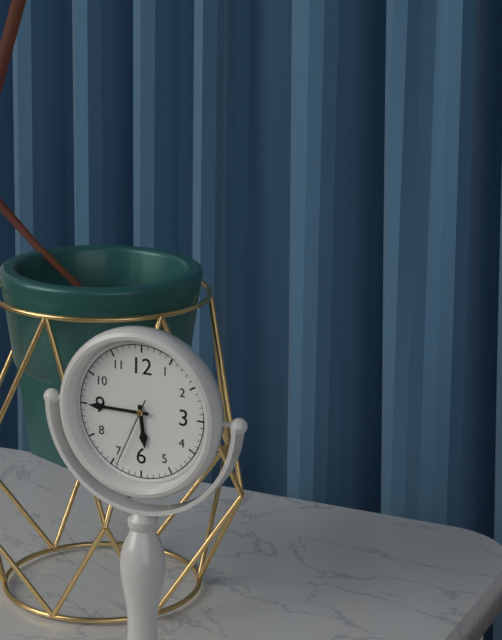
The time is {"hour": 5, "minute": 45, "second": 34}
